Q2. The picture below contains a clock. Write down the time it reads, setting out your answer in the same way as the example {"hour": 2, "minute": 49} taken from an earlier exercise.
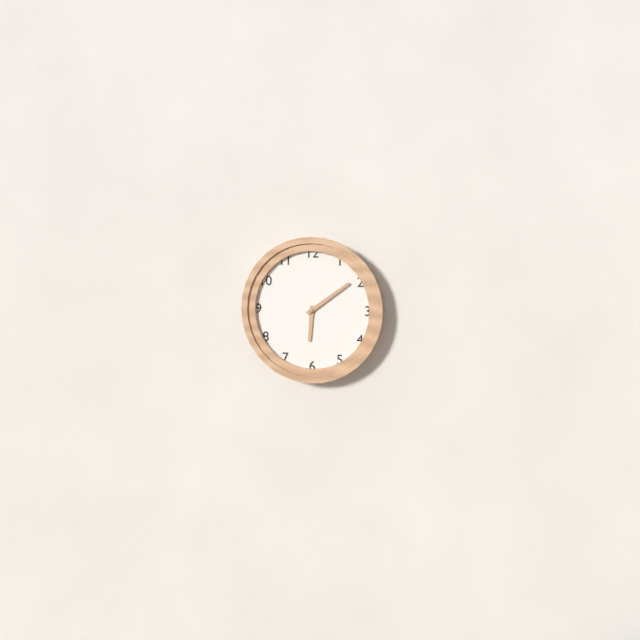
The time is {"hour": 6, "minute": 9}
